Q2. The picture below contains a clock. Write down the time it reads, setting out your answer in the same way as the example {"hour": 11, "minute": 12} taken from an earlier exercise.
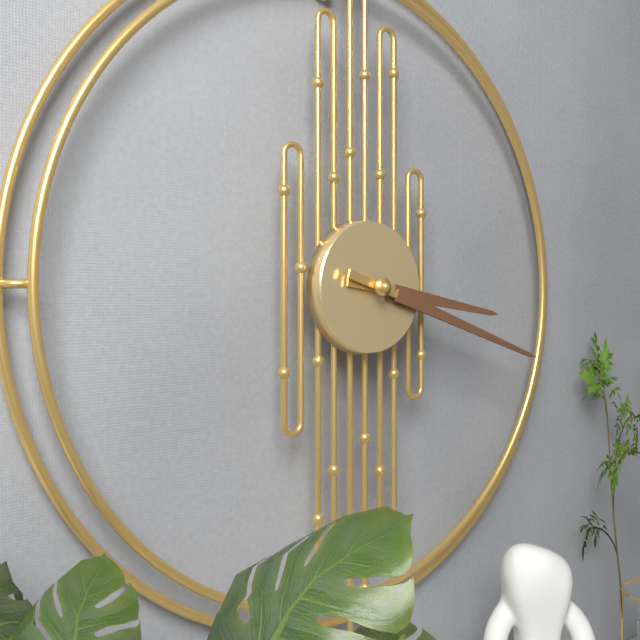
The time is {"hour": 3, "minute": 18}
